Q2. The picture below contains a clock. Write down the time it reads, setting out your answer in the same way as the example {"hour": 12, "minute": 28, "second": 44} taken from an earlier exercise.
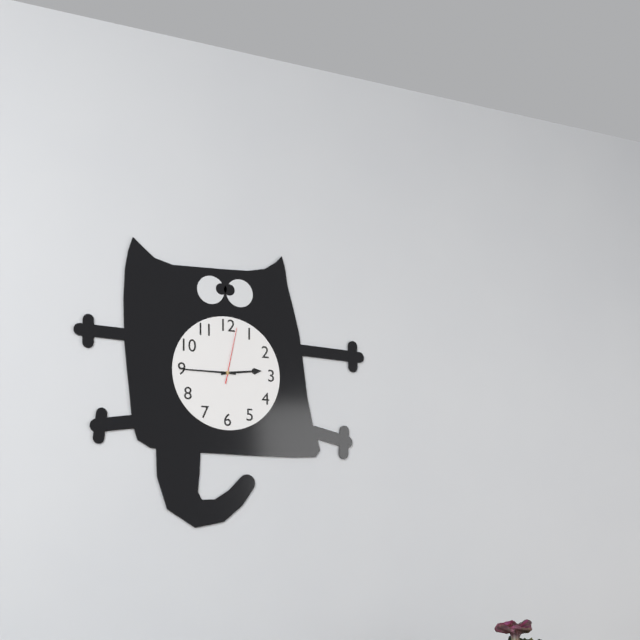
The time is {"hour": 2, "minute": 45, "second": 2}
